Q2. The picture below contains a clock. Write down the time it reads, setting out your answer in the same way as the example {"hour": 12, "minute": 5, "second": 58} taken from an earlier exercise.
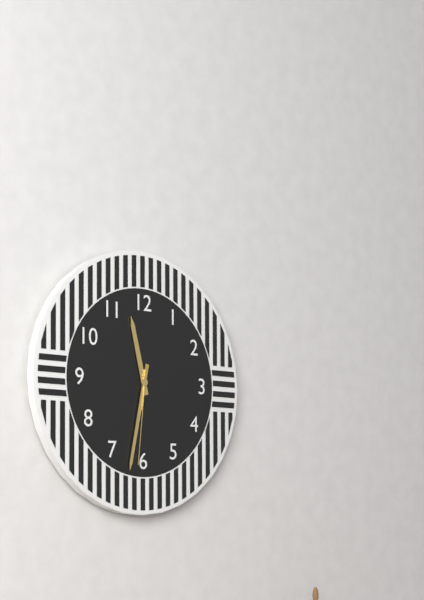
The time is {"hour": 11, "minute": 32, "second": 31}
